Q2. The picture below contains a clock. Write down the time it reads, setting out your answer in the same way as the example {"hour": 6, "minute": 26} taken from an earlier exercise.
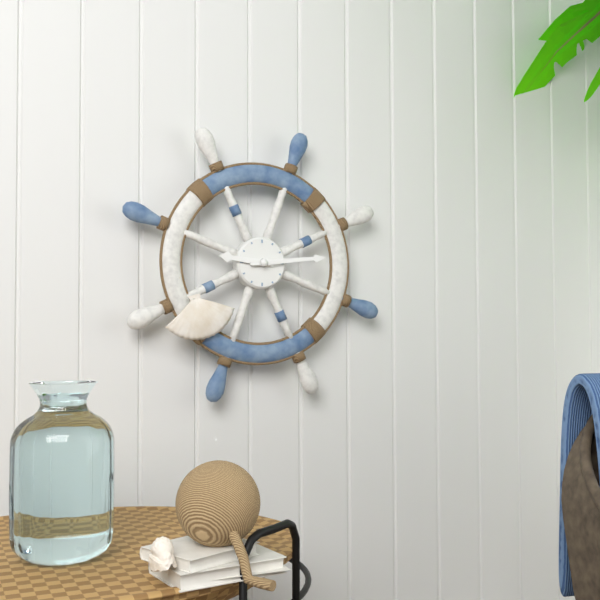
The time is {"hour": 9, "minute": 14}
